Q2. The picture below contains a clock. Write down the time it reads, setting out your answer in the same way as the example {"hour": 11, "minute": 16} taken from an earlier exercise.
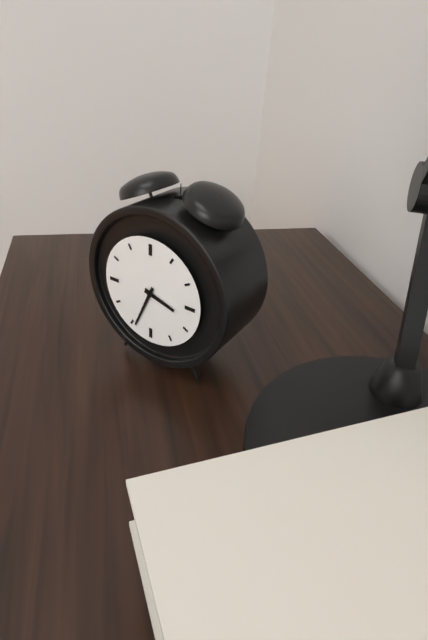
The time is {"hour": 3, "minute": 34}
